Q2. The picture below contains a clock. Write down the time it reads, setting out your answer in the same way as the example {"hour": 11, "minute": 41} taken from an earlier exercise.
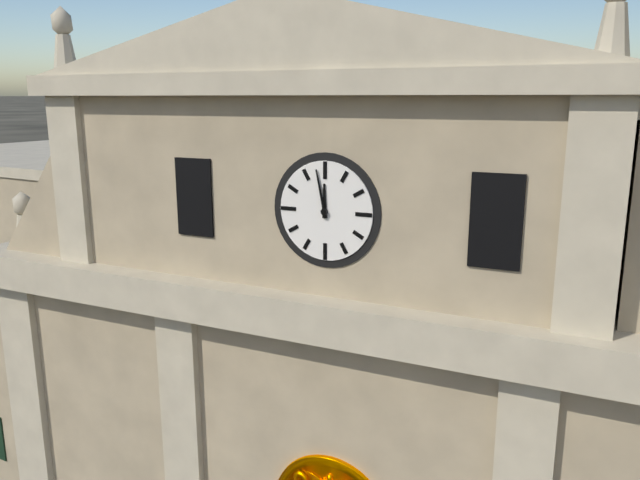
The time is {"hour": 11, "minute": 58}
